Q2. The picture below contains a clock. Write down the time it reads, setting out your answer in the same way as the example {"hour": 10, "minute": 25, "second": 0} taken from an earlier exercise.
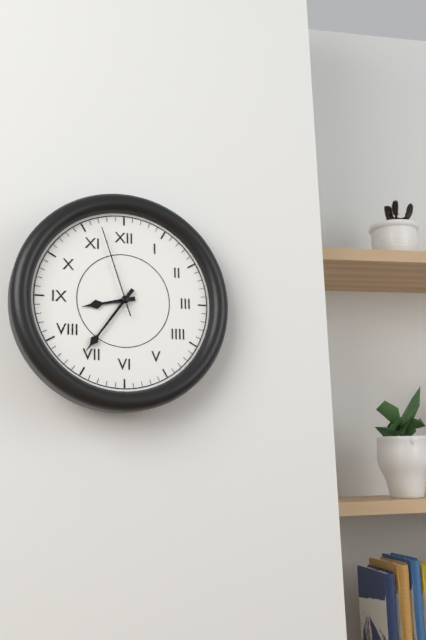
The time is {"hour": 8, "minute": 36, "second": 57}
